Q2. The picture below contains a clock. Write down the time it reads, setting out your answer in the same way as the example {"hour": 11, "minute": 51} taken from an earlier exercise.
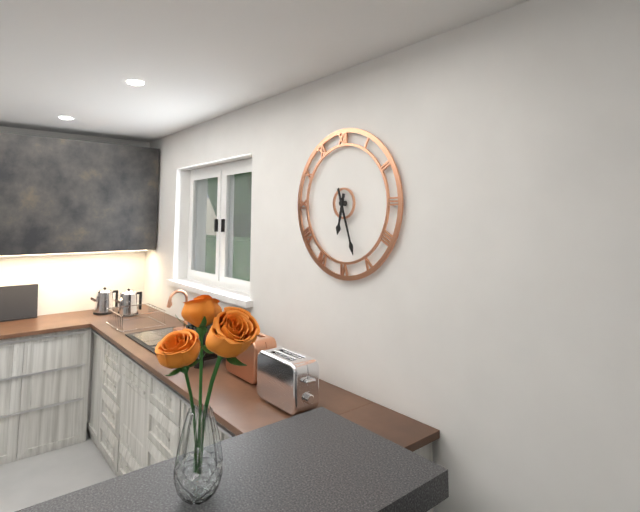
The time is {"hour": 6, "minute": 27}
